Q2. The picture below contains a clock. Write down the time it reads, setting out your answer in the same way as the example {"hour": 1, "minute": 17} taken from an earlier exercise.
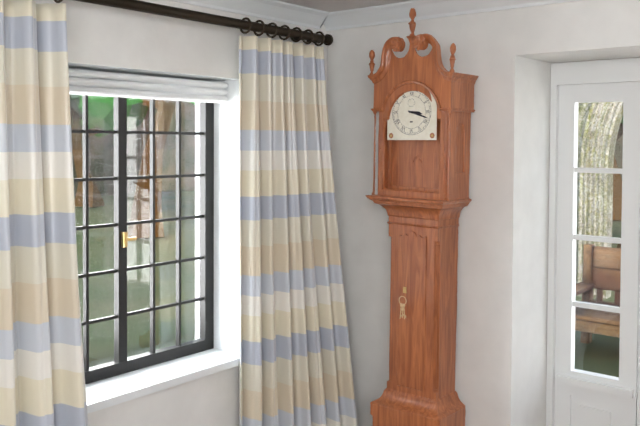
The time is {"hour": 3, "minute": 18}
